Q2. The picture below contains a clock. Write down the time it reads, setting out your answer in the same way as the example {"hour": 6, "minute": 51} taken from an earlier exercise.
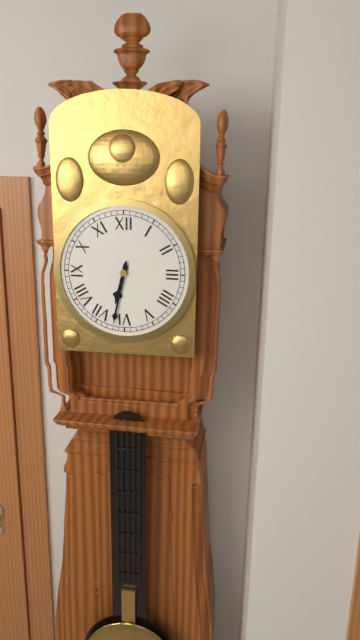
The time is {"hour": 6, "minute": 32}
